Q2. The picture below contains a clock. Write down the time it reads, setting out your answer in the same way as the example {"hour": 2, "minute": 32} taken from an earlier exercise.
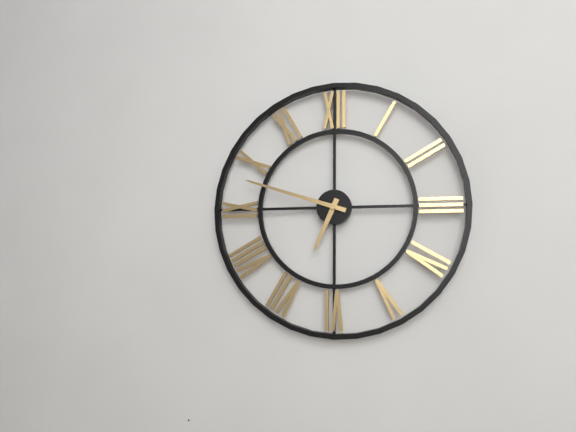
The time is {"hour": 6, "minute": 48}
